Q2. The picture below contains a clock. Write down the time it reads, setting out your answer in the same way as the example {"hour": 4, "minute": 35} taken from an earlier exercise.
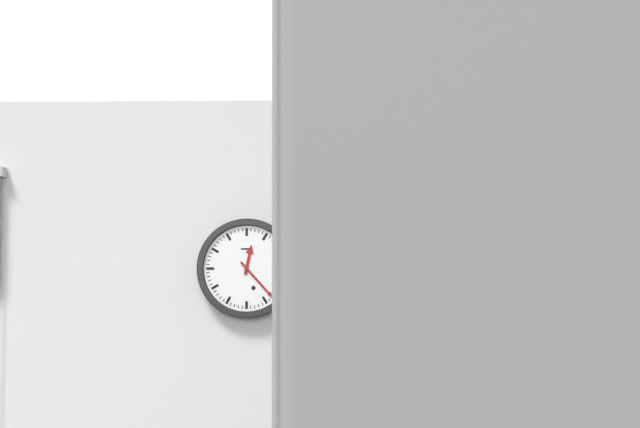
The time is {"hour": 12, "minute": 23}
